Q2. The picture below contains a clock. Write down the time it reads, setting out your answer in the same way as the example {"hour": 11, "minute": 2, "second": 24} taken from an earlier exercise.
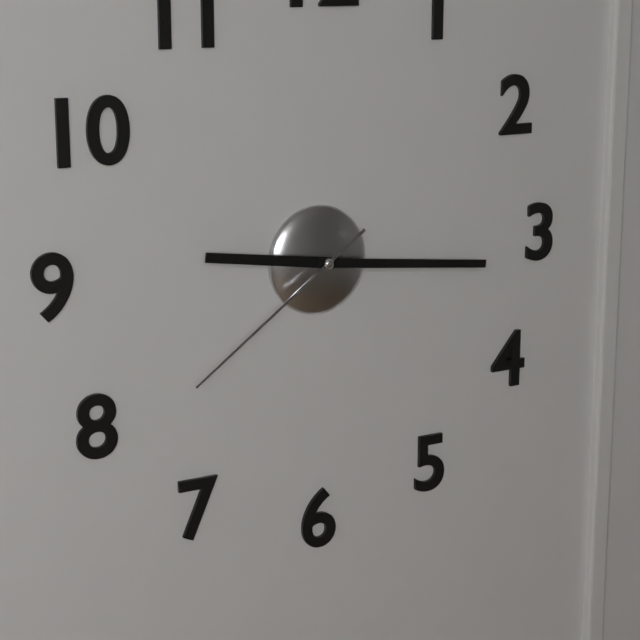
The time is {"hour": 9, "minute": 16, "second": 39}
